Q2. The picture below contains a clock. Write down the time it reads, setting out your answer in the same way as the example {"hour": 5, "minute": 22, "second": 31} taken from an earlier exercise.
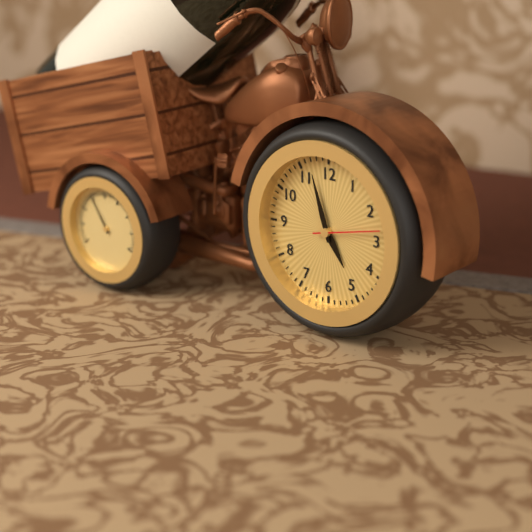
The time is {"hour": 4, "minute": 57, "second": 13}
